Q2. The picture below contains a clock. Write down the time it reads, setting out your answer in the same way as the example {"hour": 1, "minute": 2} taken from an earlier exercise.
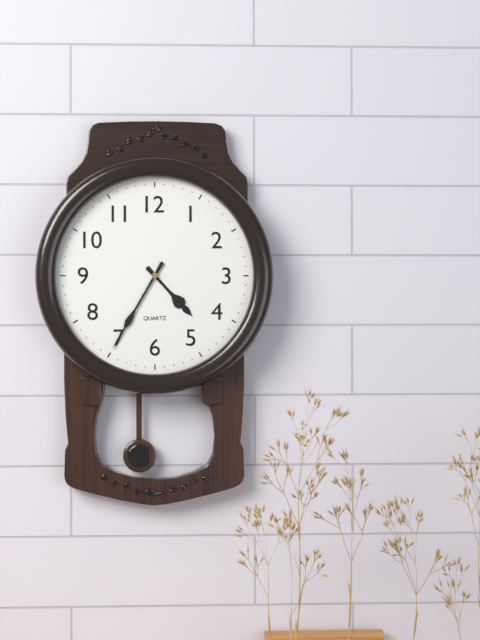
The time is {"hour": 4, "minute": 35}
